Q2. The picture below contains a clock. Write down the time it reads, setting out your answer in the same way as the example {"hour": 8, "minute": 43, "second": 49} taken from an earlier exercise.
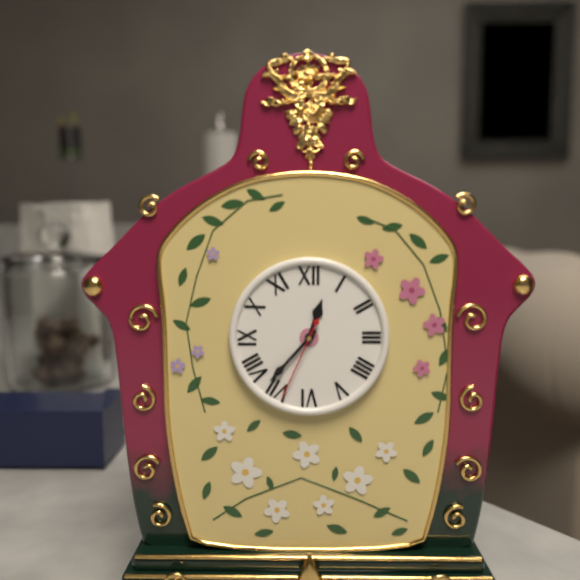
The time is {"hour": 12, "minute": 37, "second": 34}
